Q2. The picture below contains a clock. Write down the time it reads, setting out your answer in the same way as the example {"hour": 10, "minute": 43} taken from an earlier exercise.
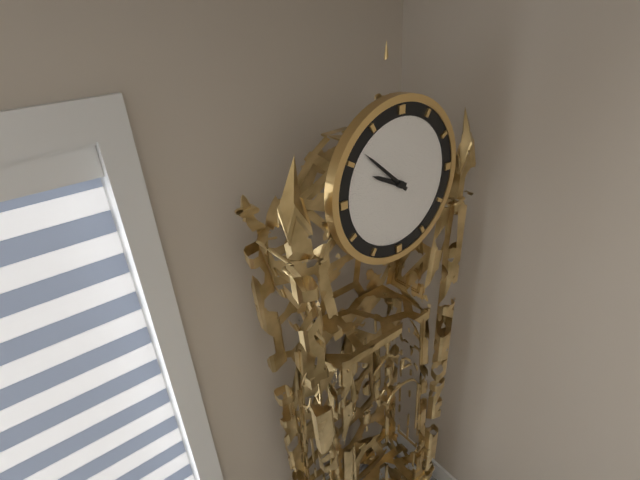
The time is {"hour": 9, "minute": 52}
